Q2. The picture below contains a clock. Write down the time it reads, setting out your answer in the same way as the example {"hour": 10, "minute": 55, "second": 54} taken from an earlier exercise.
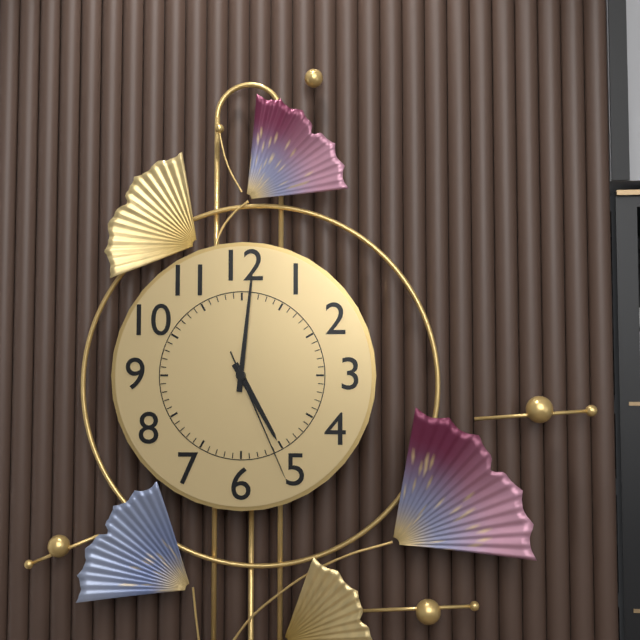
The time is {"hour": 5, "minute": 1, "second": 26}
